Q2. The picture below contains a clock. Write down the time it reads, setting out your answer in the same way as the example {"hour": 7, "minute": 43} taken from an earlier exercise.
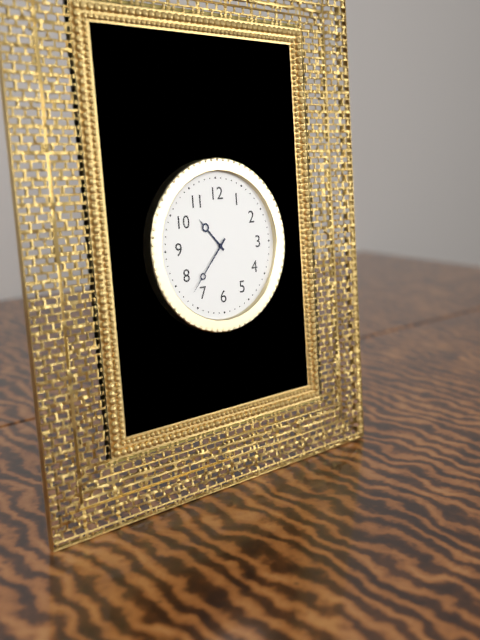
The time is {"hour": 10, "minute": 37}
